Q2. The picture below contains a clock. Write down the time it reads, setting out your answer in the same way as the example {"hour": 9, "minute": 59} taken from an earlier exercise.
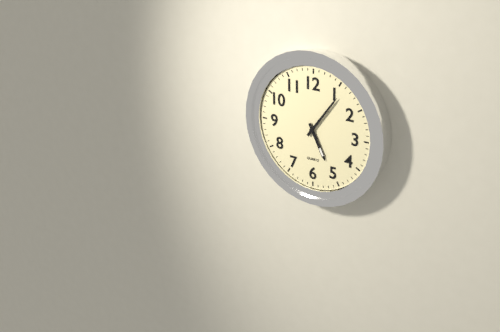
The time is {"hour": 5, "minute": 6}
